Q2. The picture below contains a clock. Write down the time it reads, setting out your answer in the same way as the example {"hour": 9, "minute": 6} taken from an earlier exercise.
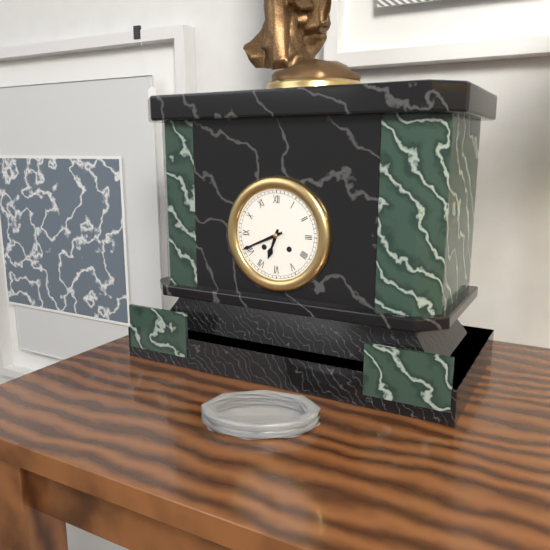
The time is {"hour": 6, "minute": 41}
